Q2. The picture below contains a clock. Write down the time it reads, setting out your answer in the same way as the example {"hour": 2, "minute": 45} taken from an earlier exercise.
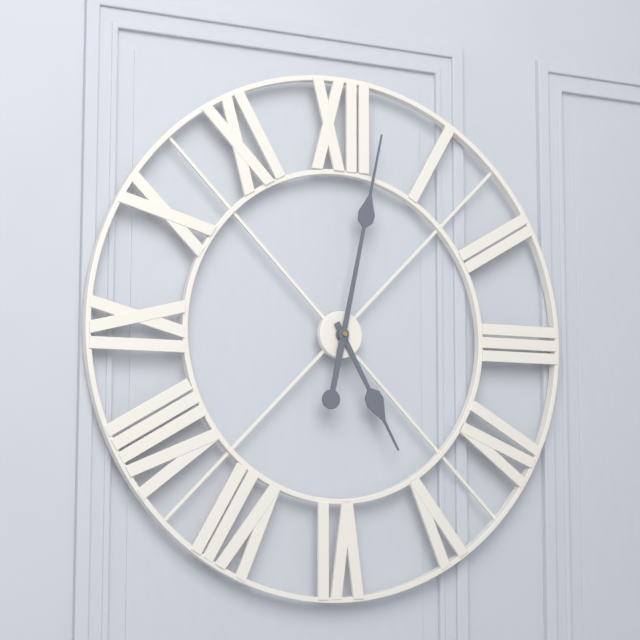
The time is {"hour": 5, "minute": 2}
